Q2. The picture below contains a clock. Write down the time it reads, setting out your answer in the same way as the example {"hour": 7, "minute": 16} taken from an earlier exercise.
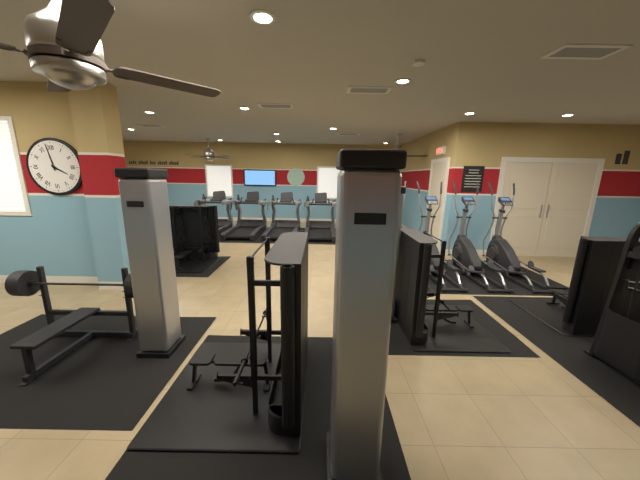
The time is {"hour": 3, "minute": 58}
